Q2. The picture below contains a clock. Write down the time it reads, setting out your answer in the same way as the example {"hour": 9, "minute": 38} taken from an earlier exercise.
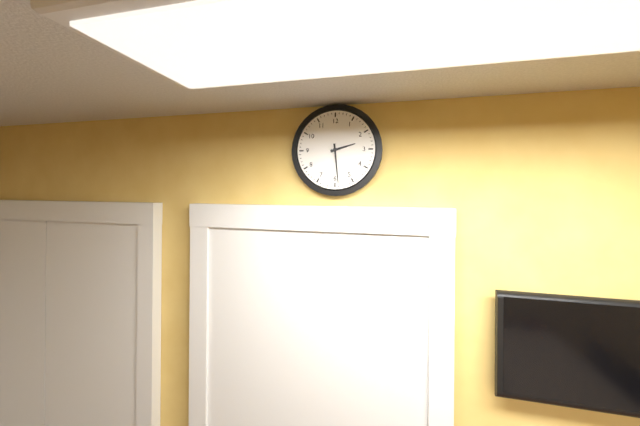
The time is {"hour": 2, "minute": 29}
